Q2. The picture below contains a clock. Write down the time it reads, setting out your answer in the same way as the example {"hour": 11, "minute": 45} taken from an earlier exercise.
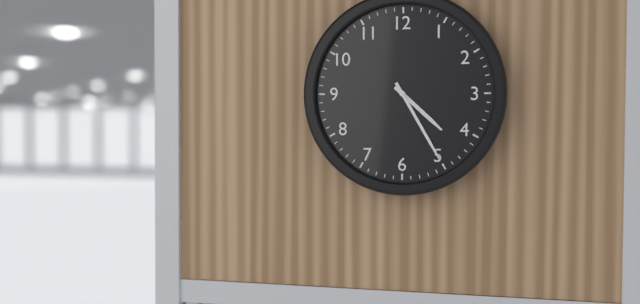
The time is {"hour": 4, "minute": 25}
